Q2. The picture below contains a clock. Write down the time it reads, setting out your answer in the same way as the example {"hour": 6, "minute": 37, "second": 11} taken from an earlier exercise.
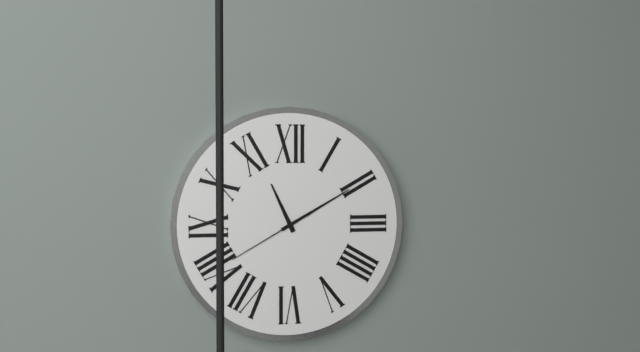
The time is {"hour": 11, "minute": 10, "second": 40}
